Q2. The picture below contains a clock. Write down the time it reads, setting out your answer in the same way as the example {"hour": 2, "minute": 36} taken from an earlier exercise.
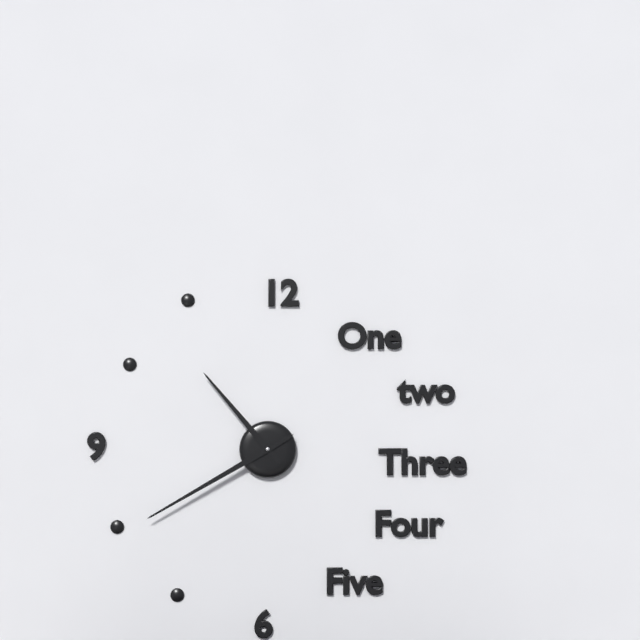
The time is {"hour": 10, "minute": 40}
